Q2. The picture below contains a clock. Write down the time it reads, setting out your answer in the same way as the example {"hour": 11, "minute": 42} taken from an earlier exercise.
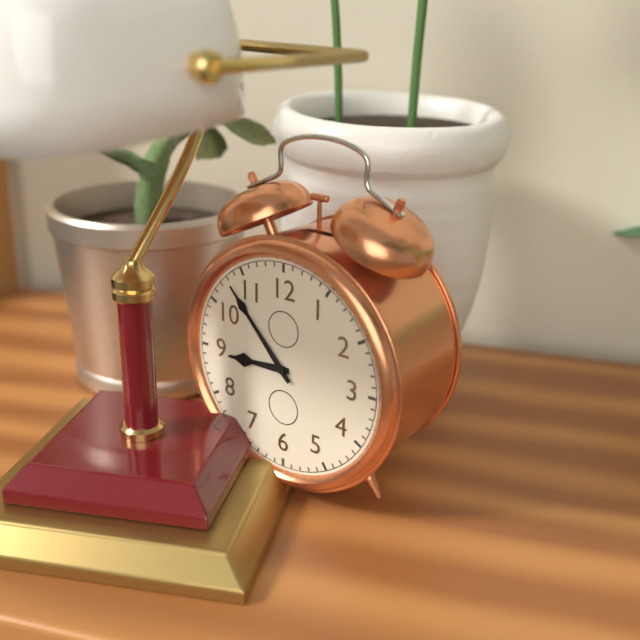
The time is {"hour": 8, "minute": 53}
